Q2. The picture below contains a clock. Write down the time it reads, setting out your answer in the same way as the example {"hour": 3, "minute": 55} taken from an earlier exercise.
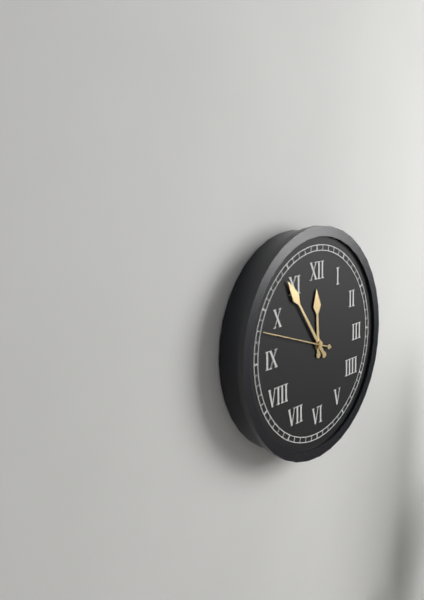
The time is {"hour": 11, "minute": 54}
